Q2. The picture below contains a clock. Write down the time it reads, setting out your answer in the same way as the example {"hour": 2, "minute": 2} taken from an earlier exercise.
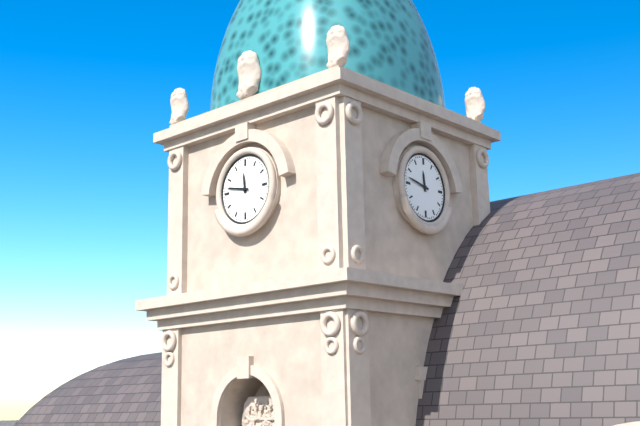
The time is {"hour": 11, "minute": 47}
